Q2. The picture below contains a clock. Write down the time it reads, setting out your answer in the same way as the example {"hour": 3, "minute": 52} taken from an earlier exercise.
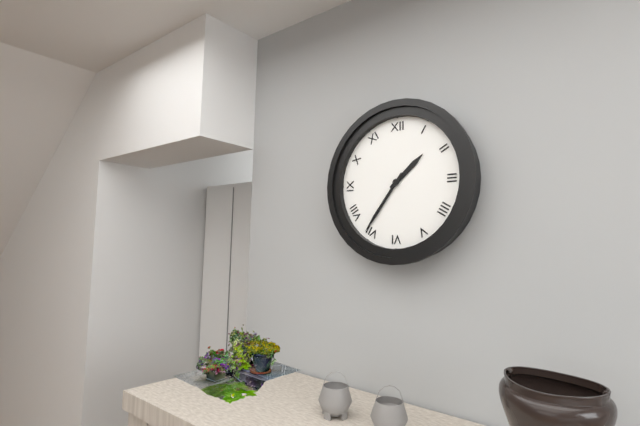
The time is {"hour": 1, "minute": 36}
